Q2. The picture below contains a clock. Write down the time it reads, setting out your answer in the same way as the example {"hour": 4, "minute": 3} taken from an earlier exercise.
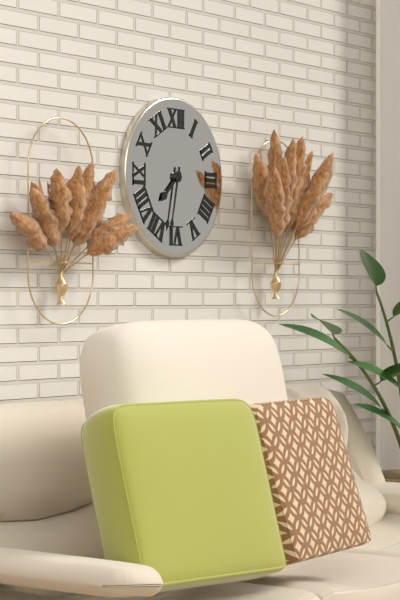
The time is {"hour": 7, "minute": 32}
